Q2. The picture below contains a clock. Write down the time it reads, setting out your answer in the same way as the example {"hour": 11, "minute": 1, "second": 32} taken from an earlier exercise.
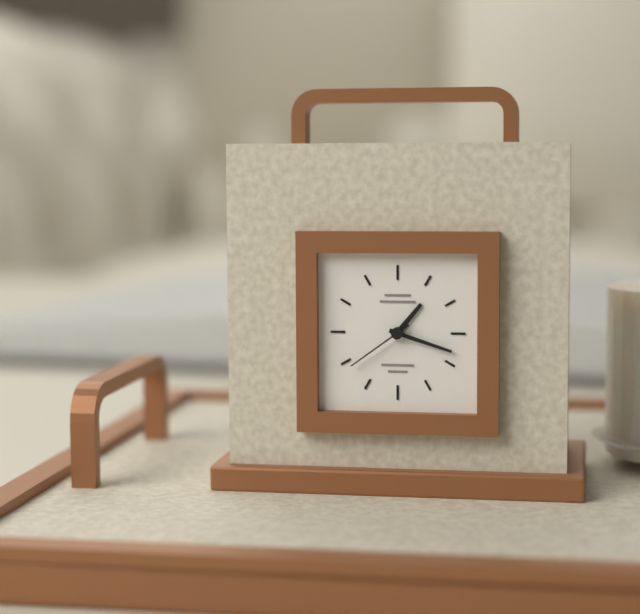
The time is {"hour": 1, "minute": 18, "second": 39}
